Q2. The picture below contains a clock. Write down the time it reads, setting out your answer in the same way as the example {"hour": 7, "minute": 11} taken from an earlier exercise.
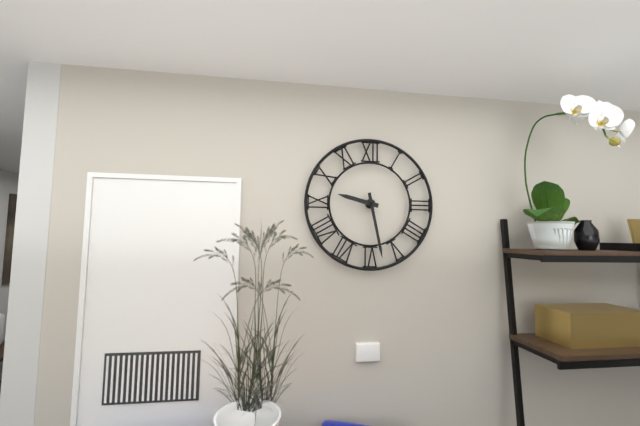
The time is {"hour": 9, "minute": 28}
